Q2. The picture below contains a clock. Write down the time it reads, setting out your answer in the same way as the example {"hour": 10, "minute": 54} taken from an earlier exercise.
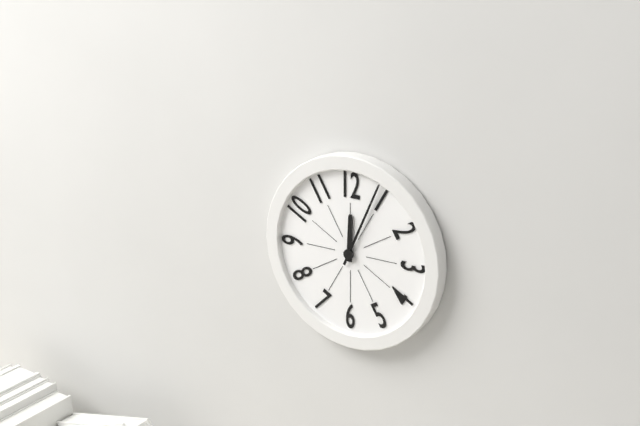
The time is {"hour": 12, "minute": 4}
